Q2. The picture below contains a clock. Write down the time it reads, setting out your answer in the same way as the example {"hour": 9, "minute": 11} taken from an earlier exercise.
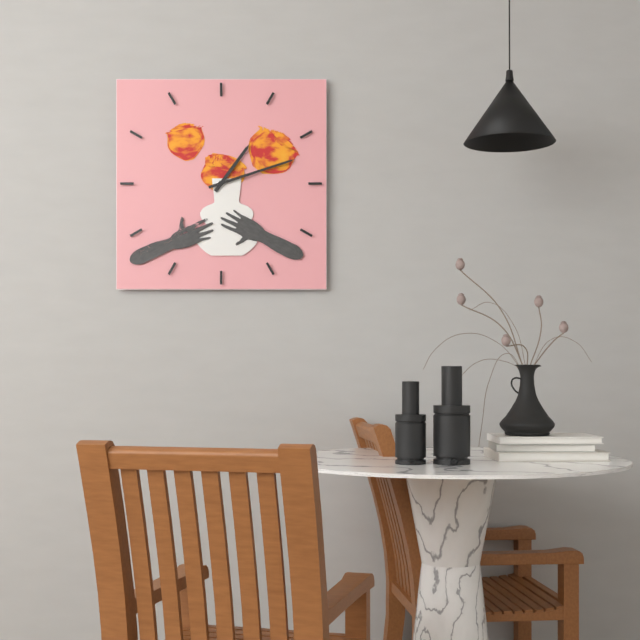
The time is {"hour": 1, "minute": 12}
